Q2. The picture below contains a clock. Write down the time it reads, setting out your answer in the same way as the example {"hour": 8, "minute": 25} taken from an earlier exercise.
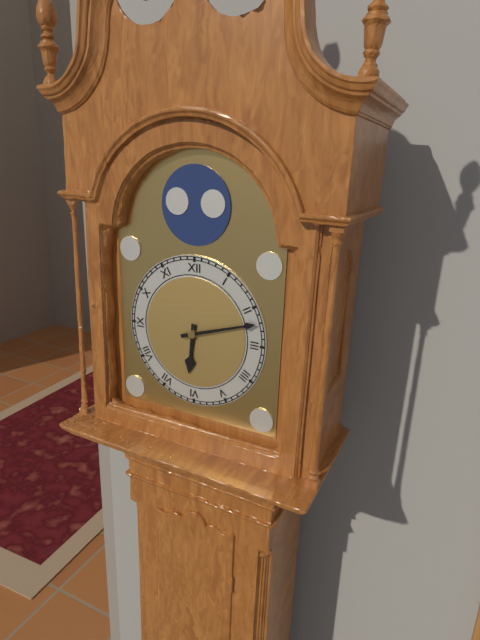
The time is {"hour": 6, "minute": 12}
